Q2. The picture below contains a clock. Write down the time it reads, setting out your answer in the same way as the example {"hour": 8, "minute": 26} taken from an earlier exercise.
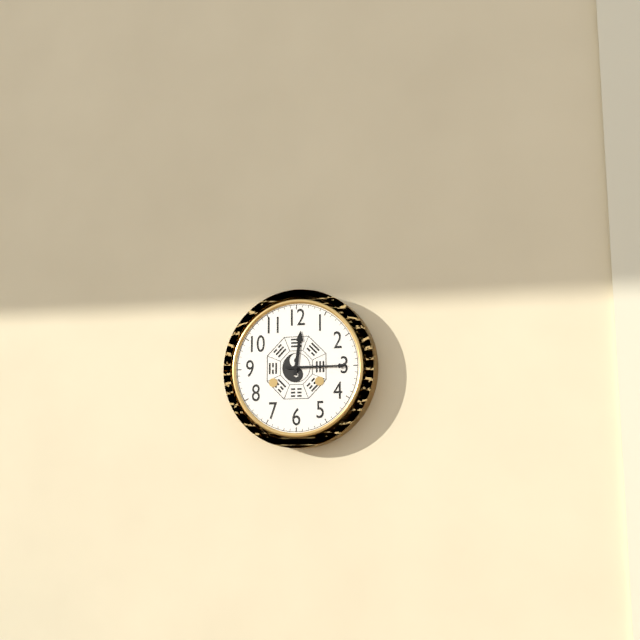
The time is {"hour": 12, "minute": 15}
